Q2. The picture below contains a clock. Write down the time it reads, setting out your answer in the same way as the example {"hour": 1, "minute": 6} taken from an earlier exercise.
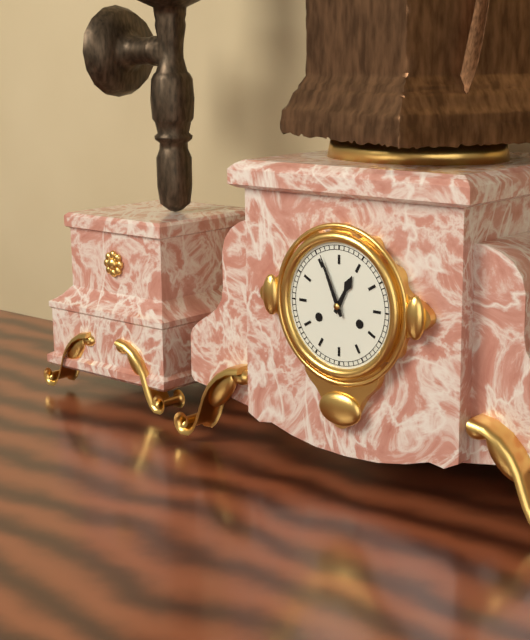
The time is {"hour": 12, "minute": 56}
